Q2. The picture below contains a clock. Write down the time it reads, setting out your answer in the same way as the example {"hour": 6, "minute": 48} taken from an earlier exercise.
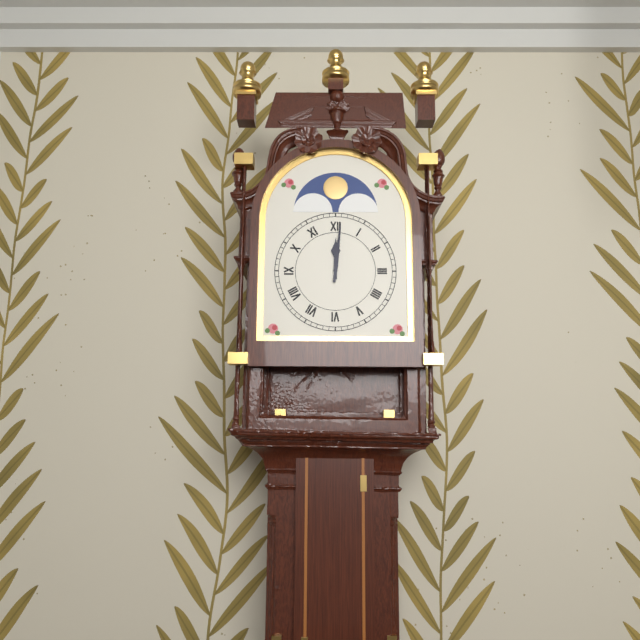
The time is {"hour": 12, "minute": 1}
